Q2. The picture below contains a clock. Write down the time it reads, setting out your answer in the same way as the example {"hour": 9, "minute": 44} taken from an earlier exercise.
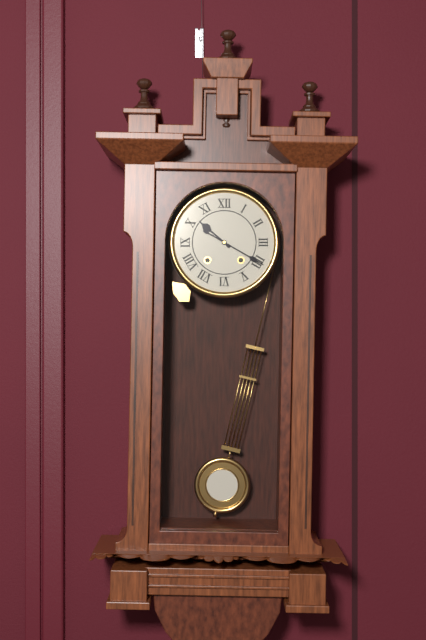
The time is {"hour": 10, "minute": 20}
